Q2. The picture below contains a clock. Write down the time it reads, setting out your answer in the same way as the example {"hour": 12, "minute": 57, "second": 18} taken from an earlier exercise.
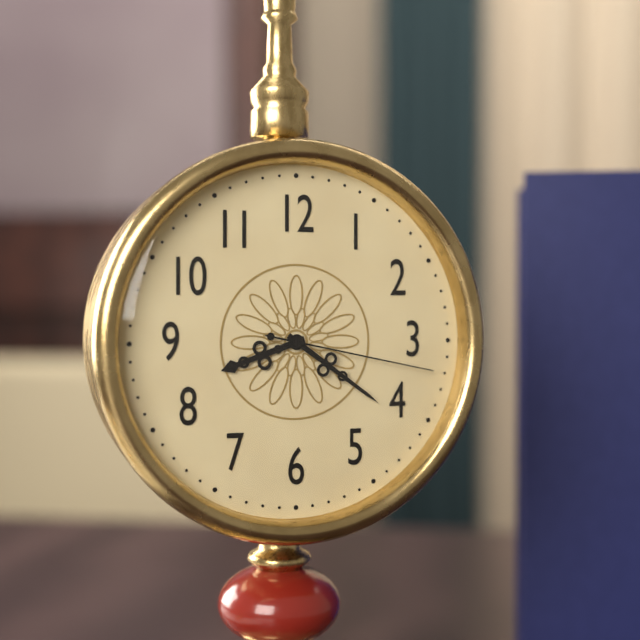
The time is {"hour": 8, "minute": 21, "second": 17}
